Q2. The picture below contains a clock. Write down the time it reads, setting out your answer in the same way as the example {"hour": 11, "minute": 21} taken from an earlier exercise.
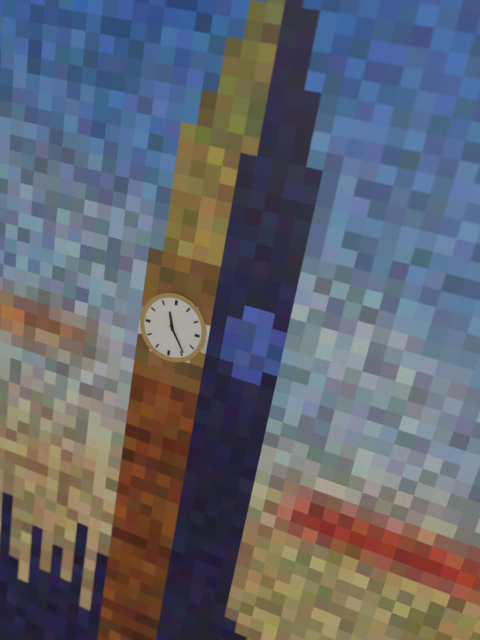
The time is {"hour": 11, "minute": 24}
